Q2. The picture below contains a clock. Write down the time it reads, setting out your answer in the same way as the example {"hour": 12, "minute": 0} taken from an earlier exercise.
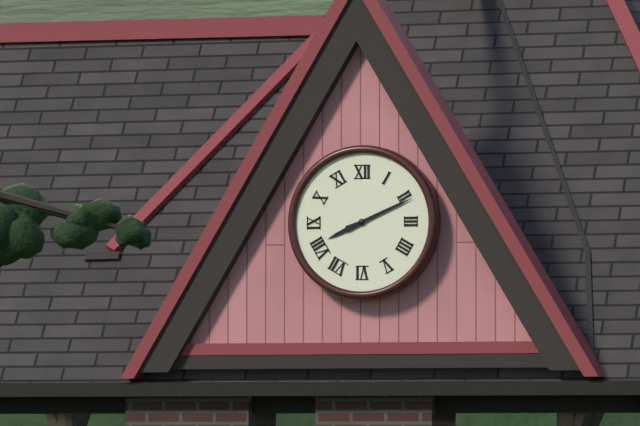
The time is {"hour": 8, "minute": 11}
